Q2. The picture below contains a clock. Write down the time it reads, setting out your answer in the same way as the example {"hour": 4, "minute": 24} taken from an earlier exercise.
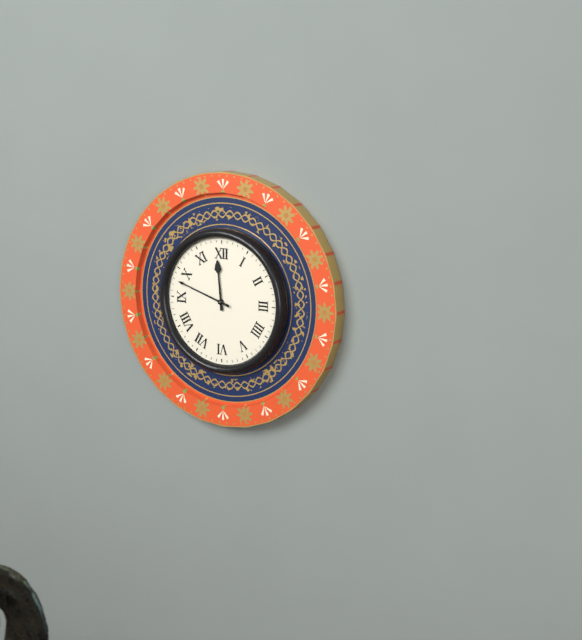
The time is {"hour": 11, "minute": 48}
